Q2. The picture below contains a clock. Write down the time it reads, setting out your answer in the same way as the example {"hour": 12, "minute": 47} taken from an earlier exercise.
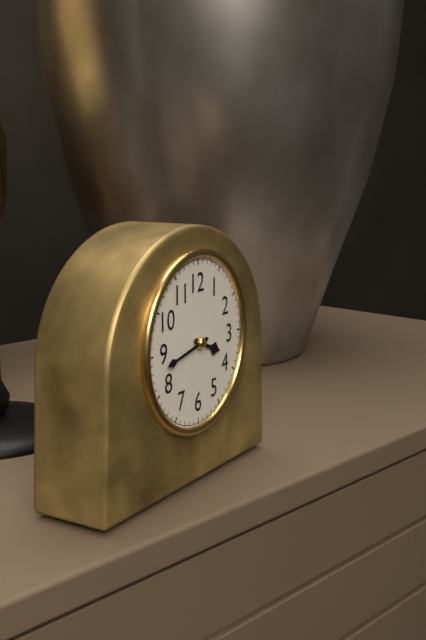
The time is {"hour": 3, "minute": 43}
